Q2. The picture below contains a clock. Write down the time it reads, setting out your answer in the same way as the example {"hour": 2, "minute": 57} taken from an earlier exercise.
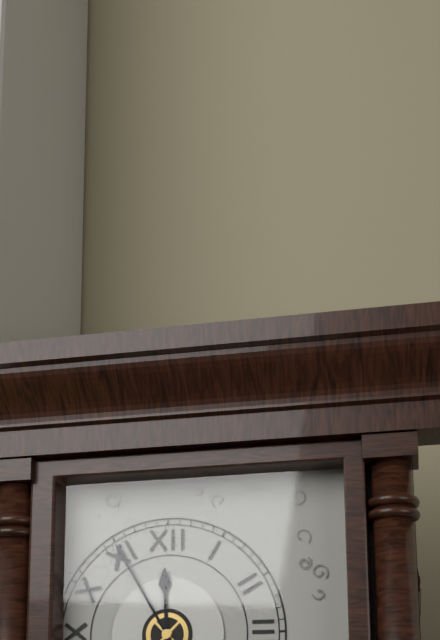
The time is {"hour": 11, "minute": 55}
